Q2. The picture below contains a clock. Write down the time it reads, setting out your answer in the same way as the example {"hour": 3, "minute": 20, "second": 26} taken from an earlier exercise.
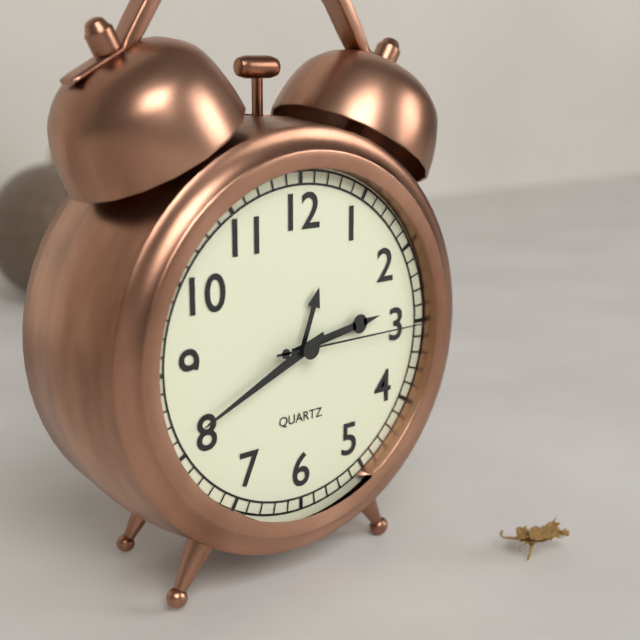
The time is {"hour": 2, "minute": 41, "second": 15}
